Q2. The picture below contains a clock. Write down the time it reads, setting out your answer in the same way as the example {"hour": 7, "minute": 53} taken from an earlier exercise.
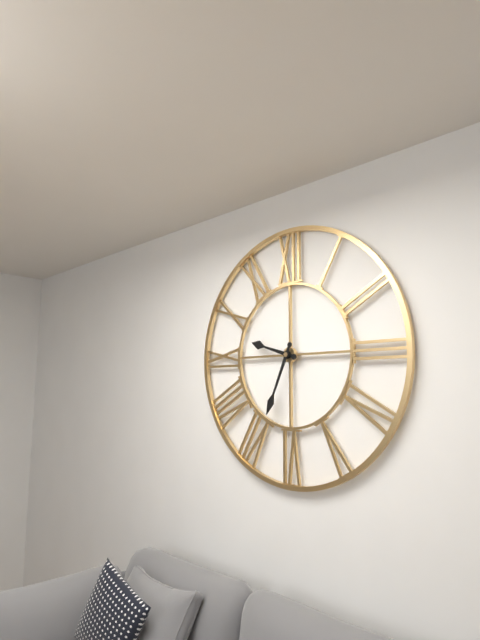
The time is {"hour": 9, "minute": 34}
